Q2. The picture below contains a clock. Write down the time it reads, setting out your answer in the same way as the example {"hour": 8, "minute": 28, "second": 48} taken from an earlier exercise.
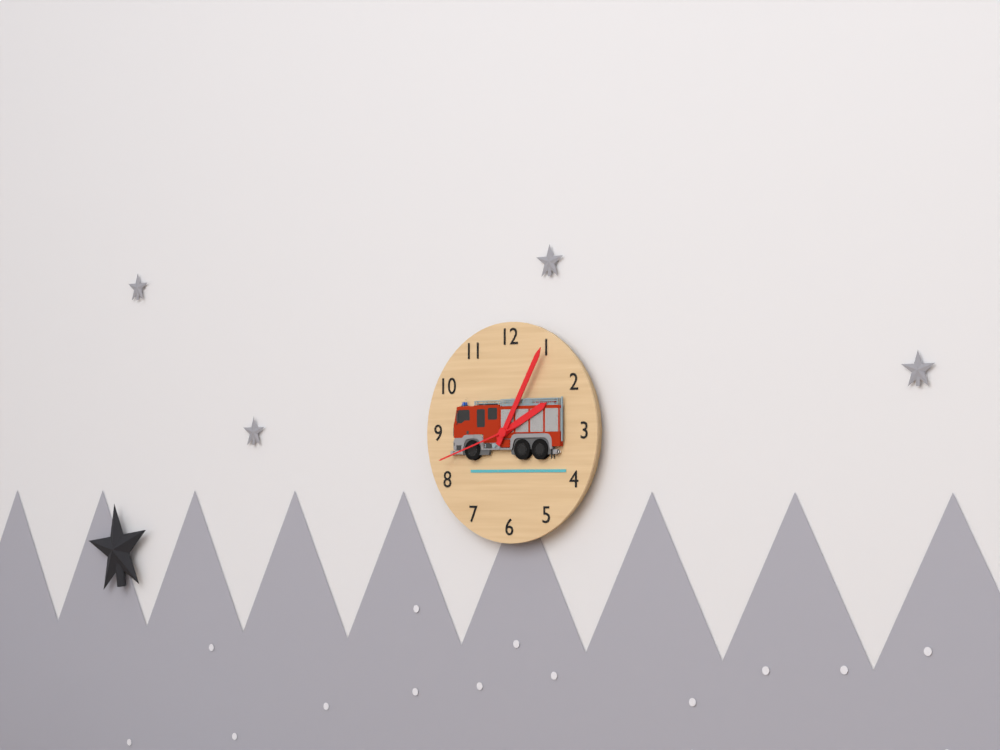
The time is {"hour": 2, "minute": 5, "second": 42}
